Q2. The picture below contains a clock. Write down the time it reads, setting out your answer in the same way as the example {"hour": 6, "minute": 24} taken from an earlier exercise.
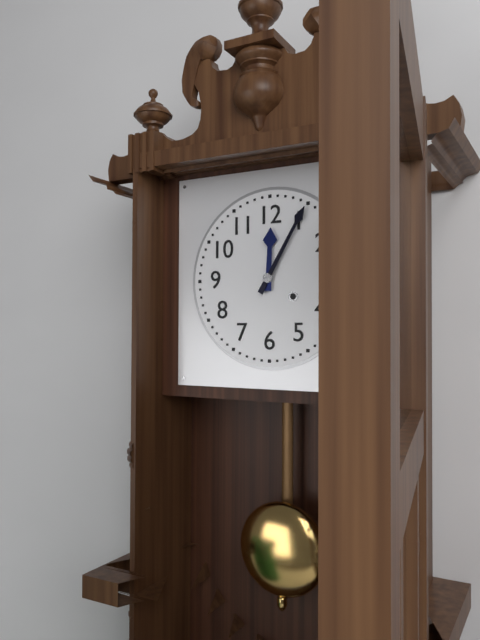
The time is {"hour": 12, "minute": 5}
